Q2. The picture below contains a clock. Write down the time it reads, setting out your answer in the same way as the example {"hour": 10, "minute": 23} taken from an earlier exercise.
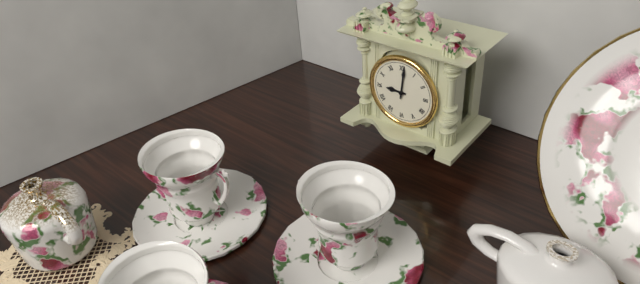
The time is {"hour": 9, "minute": 1}
